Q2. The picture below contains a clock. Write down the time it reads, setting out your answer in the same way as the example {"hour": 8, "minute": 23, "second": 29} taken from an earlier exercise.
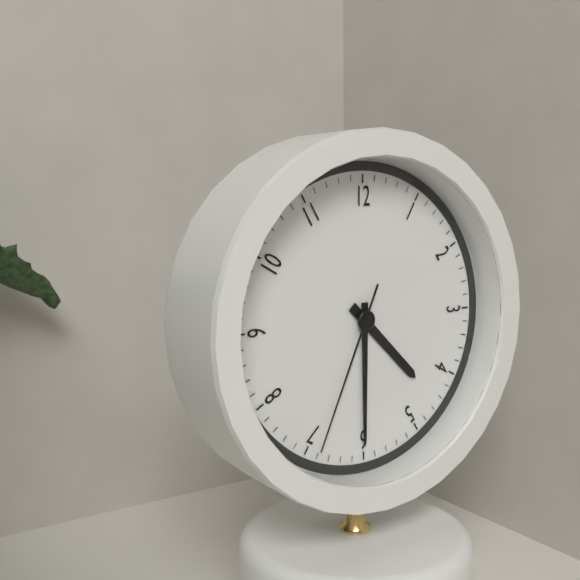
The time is {"hour": 4, "minute": 30, "second": 34}
